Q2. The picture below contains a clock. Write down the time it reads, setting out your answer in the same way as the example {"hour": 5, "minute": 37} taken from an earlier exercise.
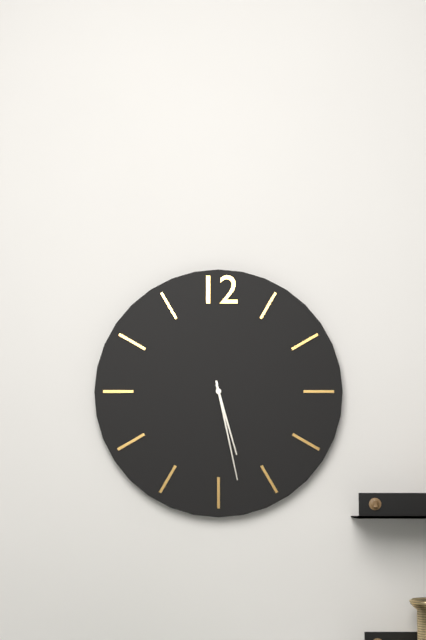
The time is {"hour": 5, "minute": 28}
